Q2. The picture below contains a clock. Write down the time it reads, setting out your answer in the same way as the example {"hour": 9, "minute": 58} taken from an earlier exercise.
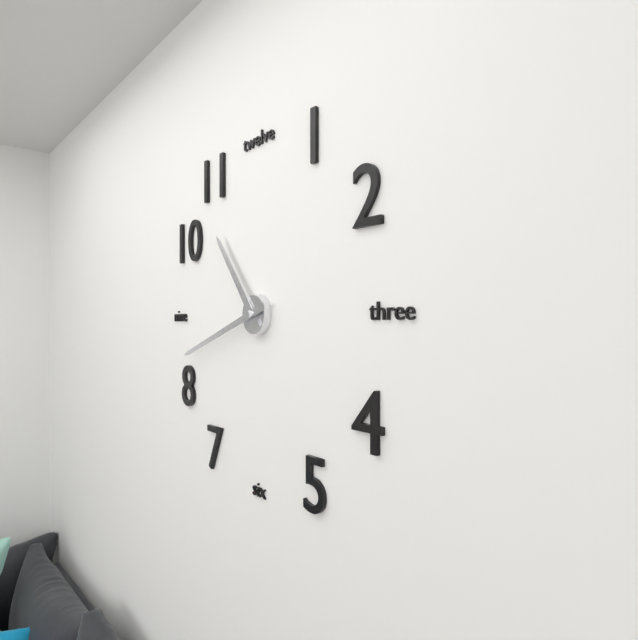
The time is {"hour": 10, "minute": 42}
